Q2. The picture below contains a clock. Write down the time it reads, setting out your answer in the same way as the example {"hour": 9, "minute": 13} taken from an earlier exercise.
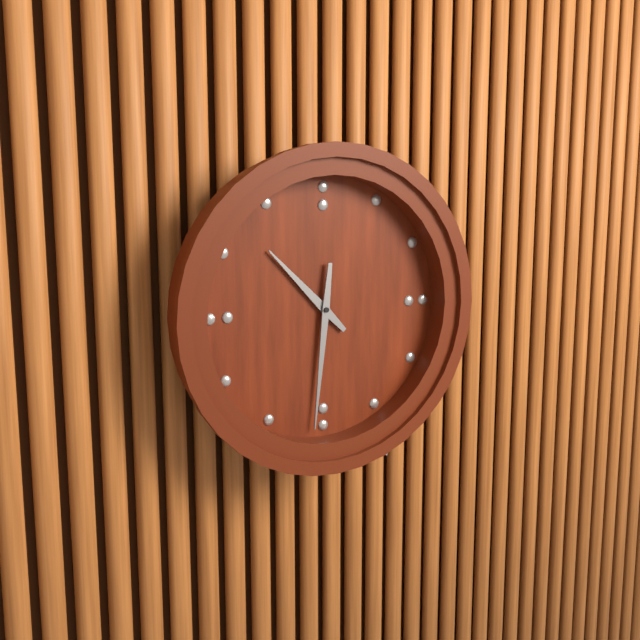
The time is {"hour": 10, "minute": 31}
